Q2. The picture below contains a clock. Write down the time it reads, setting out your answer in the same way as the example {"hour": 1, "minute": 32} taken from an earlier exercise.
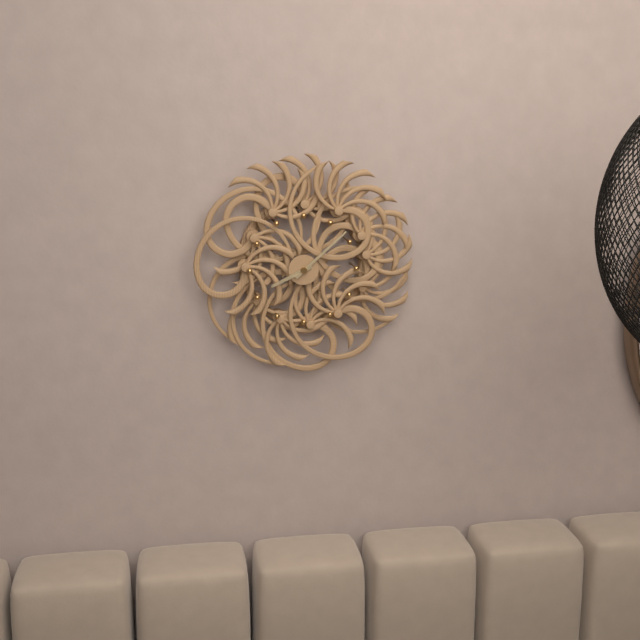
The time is {"hour": 8, "minute": 8}
